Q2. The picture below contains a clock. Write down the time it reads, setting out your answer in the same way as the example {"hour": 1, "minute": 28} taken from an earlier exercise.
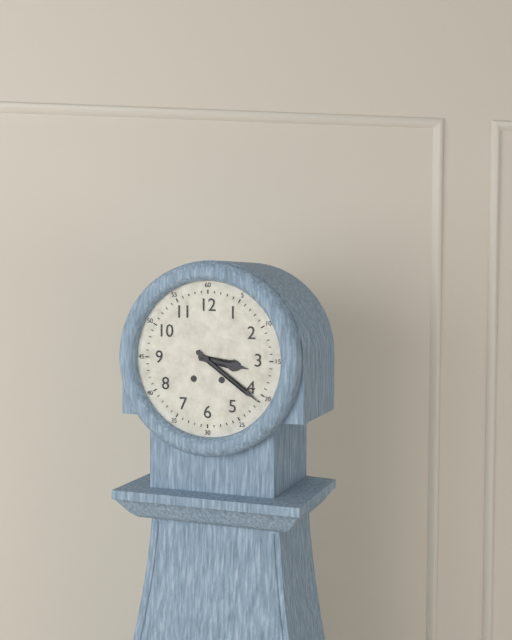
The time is {"hour": 3, "minute": 21}
